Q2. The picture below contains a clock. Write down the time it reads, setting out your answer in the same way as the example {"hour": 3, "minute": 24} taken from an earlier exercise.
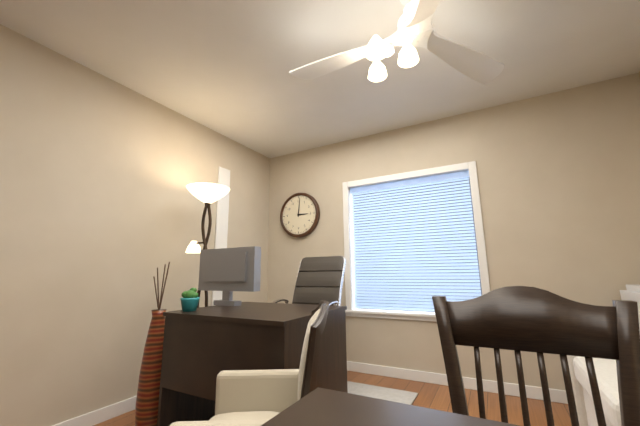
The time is {"hour": 3, "minute": 1}
